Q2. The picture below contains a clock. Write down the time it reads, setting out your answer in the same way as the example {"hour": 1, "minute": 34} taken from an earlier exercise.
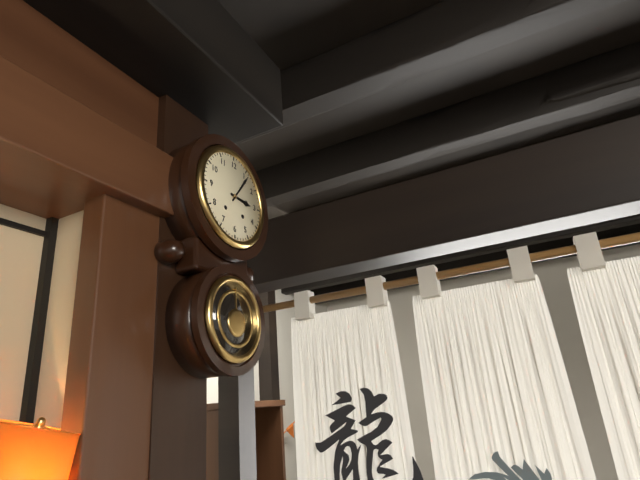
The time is {"hour": 3, "minute": 6}
